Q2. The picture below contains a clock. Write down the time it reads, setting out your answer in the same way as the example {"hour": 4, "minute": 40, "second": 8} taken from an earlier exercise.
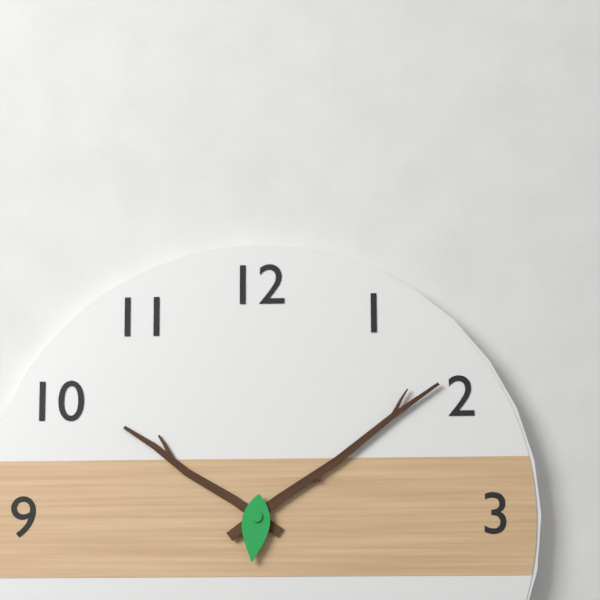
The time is {"hour": 10, "minute": 9, "second": 31}
